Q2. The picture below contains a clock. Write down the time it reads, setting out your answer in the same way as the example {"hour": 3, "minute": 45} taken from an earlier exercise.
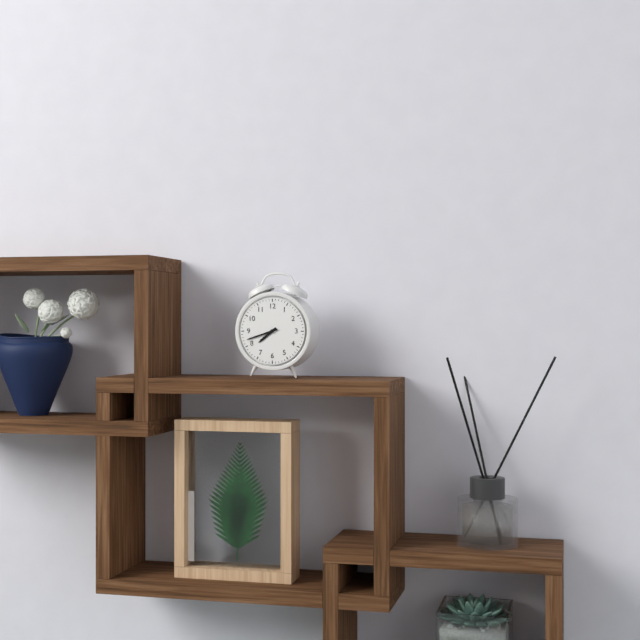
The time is {"hour": 7, "minute": 42}
